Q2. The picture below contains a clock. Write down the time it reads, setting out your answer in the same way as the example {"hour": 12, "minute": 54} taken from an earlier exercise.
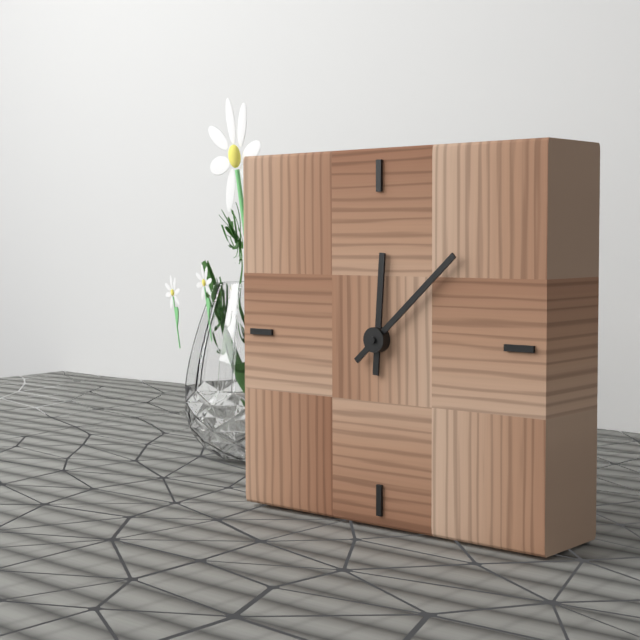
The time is {"hour": 12, "minute": 8}
